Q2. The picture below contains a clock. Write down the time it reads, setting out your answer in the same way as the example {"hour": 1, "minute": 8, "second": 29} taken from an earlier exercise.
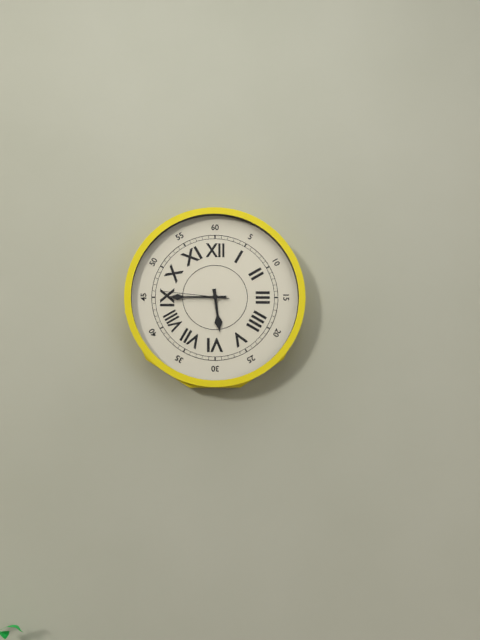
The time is {"hour": 5, "minute": 45, "second": 46}
